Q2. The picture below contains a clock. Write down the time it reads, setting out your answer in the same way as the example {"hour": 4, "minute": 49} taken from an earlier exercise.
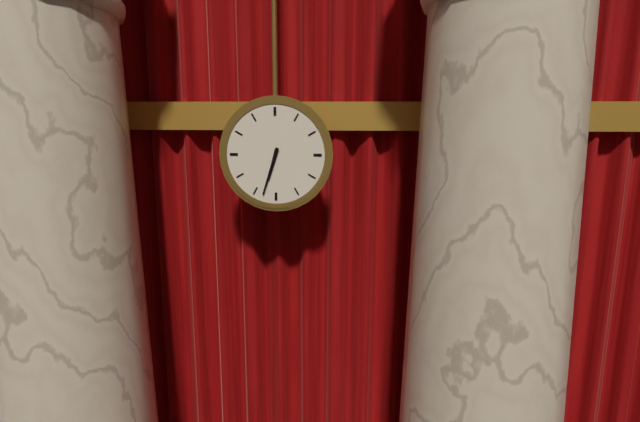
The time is {"hour": 6, "minute": 33}
